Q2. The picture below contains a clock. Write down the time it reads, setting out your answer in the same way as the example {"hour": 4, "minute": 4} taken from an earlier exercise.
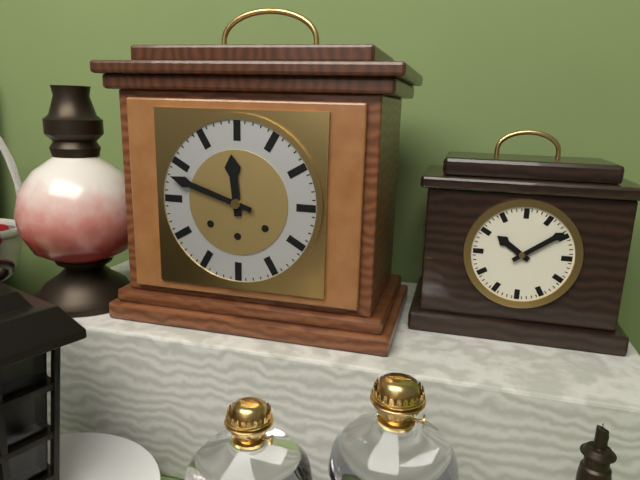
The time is {"hour": 11, "minute": 48}
